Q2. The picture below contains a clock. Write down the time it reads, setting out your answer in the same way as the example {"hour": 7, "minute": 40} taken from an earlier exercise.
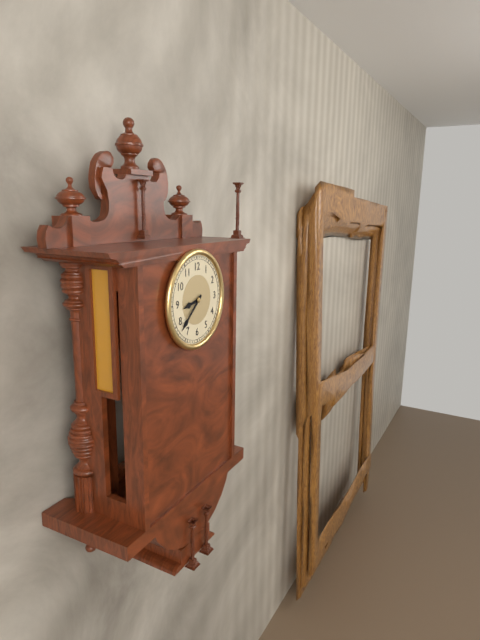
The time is {"hour": 8, "minute": 38}
